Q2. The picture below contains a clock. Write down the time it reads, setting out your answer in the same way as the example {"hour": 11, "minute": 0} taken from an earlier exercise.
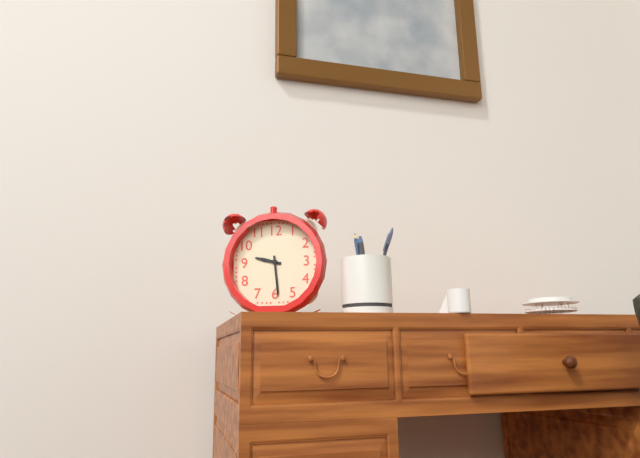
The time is {"hour": 9, "minute": 29}
